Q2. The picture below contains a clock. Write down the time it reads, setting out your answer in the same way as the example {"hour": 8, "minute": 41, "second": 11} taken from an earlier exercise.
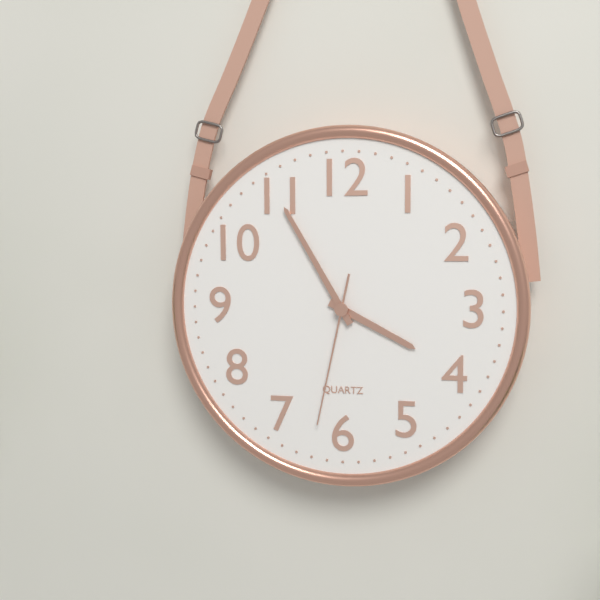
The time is {"hour": 3, "minute": 55, "second": 32}
